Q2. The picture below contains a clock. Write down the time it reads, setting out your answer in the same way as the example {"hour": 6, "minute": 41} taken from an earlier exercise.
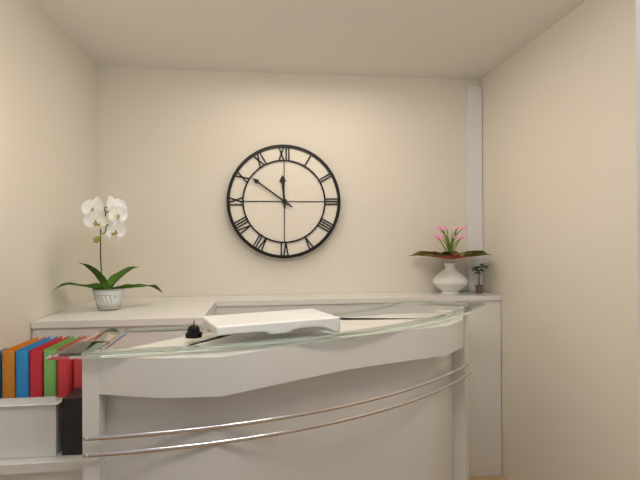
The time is {"hour": 11, "minute": 51}
